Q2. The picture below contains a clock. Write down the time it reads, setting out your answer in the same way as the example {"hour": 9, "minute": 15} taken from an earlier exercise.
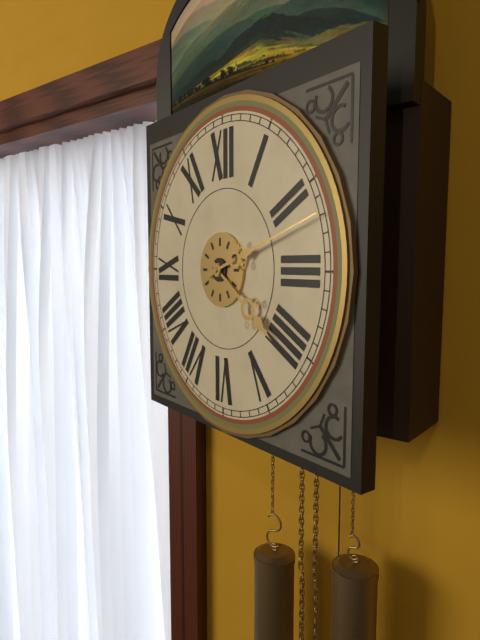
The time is {"hour": 4, "minute": 12}
